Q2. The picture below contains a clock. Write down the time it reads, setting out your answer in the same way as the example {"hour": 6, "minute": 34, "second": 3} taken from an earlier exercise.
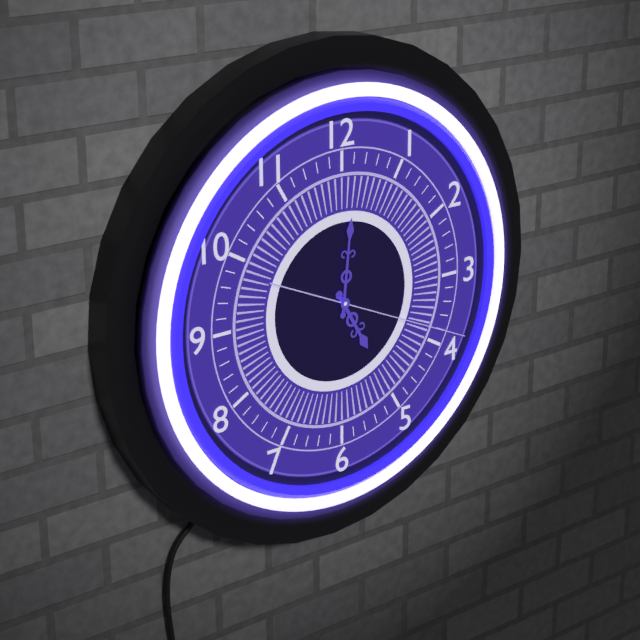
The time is {"hour": 5, "minute": 1, "second": 19}
